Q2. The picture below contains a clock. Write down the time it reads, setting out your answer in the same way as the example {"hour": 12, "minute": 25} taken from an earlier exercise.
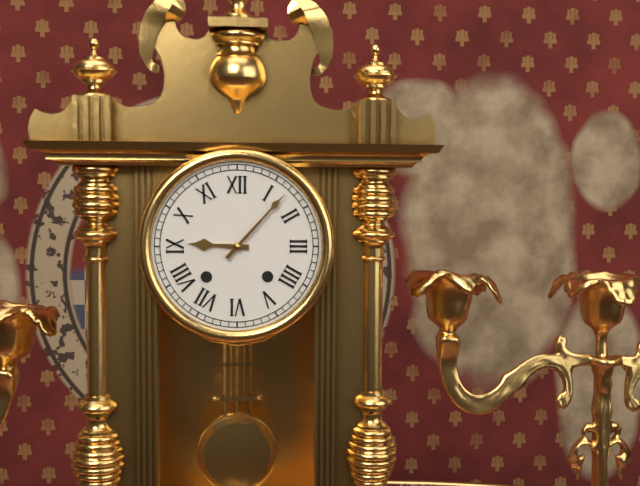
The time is {"hour": 9, "minute": 7}
